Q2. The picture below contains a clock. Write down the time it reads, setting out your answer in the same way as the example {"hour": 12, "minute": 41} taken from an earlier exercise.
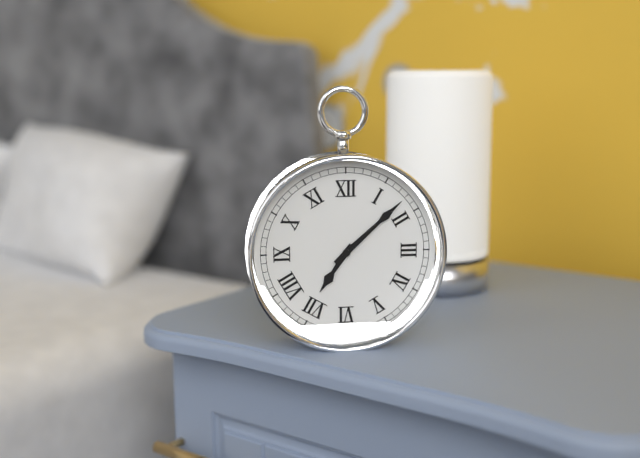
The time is {"hour": 7, "minute": 8}
